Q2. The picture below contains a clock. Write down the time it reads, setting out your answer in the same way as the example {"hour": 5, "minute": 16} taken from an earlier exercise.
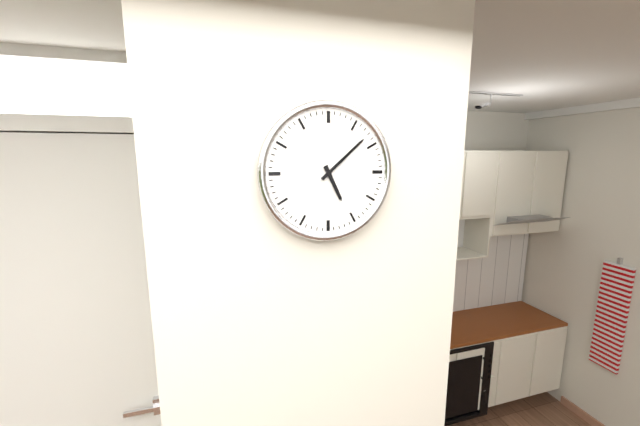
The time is {"hour": 5, "minute": 8}
